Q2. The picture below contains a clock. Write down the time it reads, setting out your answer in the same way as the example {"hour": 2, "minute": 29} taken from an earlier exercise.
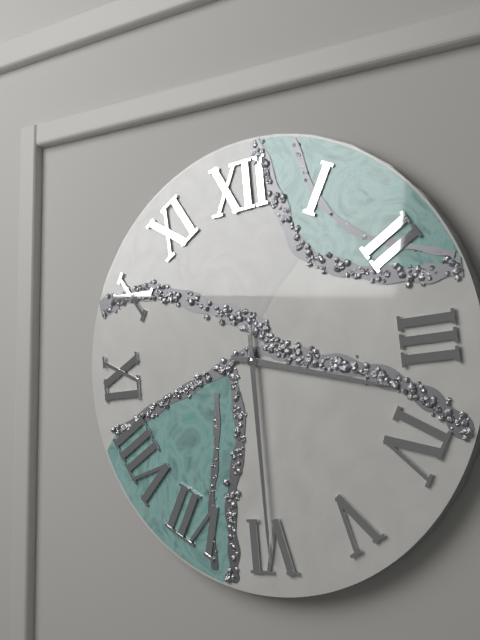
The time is {"hour": 3, "minute": 30}
